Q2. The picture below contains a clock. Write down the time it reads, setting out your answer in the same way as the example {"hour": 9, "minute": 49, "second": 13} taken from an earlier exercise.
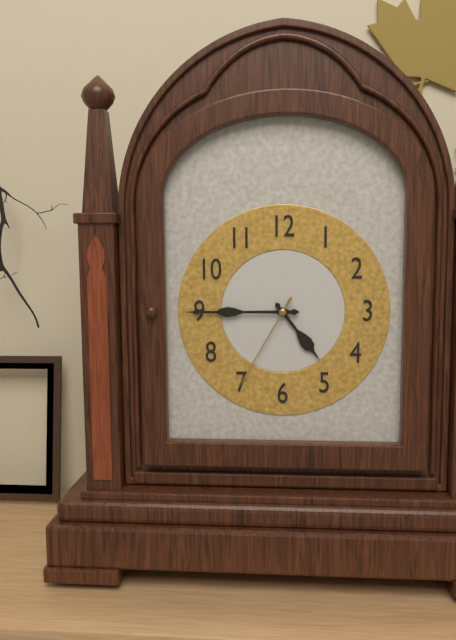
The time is {"hour": 4, "minute": 45, "second": 35}
